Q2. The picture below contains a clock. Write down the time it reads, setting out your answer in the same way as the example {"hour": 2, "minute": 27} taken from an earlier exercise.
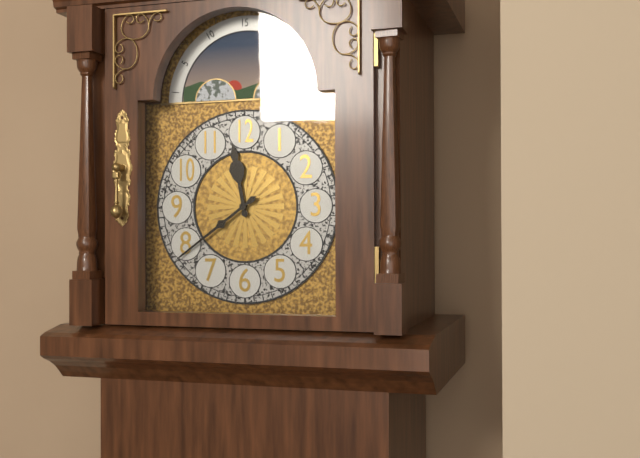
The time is {"hour": 11, "minute": 39}
